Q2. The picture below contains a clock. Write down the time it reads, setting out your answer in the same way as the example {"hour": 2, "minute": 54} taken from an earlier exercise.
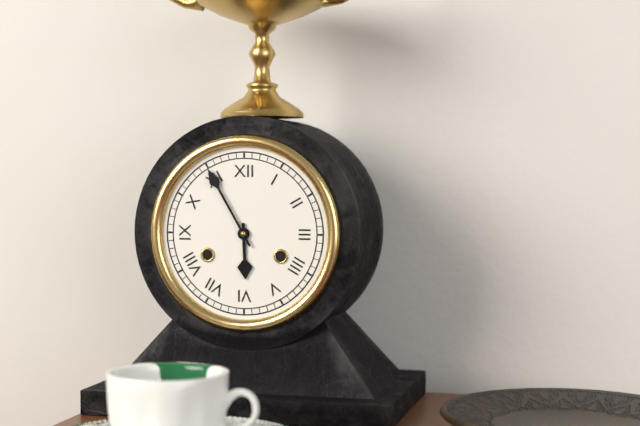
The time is {"hour": 5, "minute": 55}
